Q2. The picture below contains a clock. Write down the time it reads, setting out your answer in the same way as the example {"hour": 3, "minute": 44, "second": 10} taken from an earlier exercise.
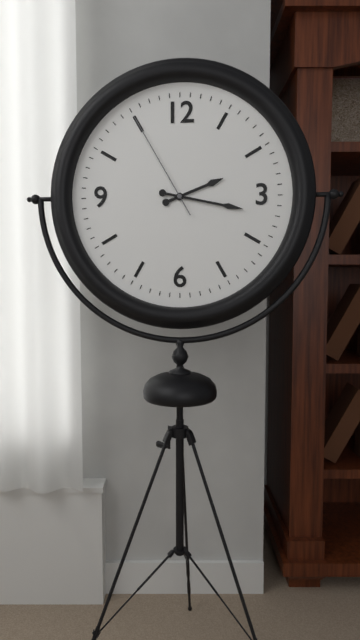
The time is {"hour": 2, "minute": 17, "second": 55}
